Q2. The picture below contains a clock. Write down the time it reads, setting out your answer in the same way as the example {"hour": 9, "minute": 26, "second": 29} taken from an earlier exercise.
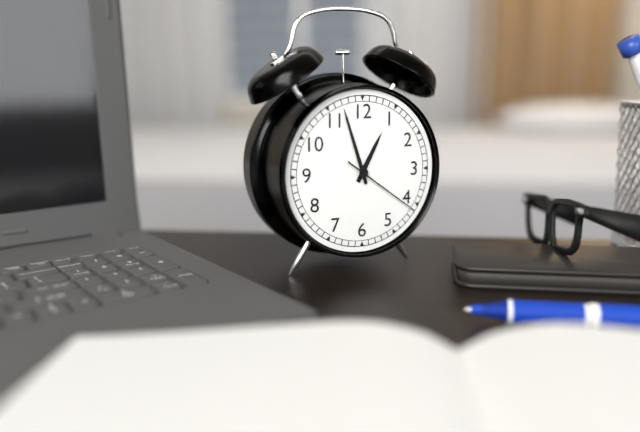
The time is {"hour": 12, "minute": 57, "second": 21}
